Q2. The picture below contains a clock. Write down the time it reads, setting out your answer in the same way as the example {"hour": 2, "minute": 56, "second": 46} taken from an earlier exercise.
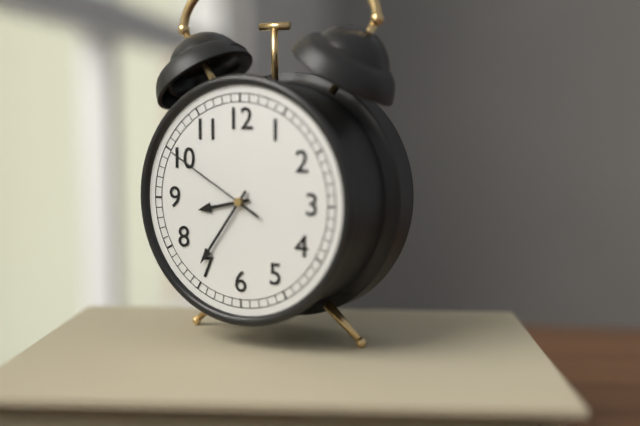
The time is {"hour": 8, "minute": 36, "second": 50}
